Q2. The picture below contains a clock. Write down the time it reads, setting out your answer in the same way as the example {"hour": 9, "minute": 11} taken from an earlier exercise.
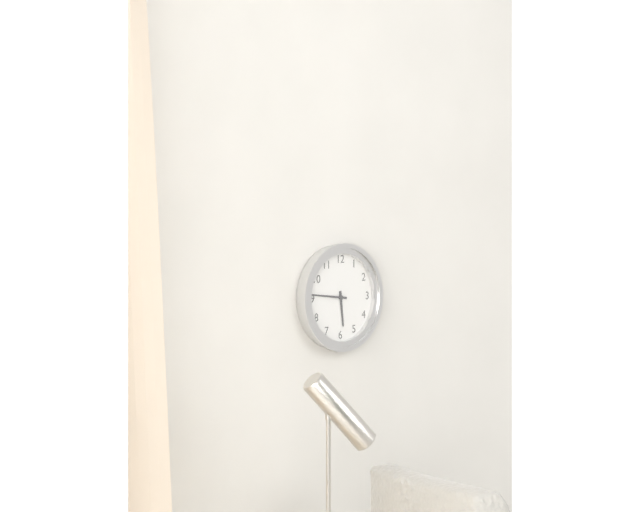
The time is {"hour": 5, "minute": 46}
